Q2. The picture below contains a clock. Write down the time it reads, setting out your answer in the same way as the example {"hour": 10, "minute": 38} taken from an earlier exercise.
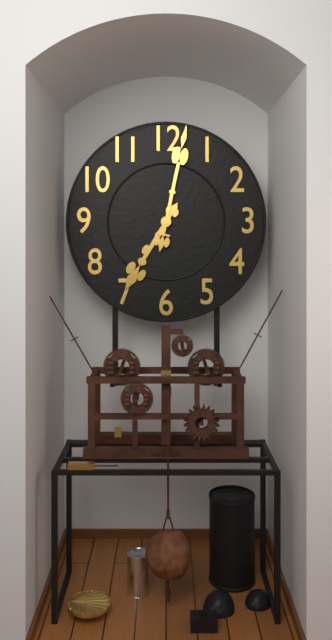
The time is {"hour": 7, "minute": 2}
